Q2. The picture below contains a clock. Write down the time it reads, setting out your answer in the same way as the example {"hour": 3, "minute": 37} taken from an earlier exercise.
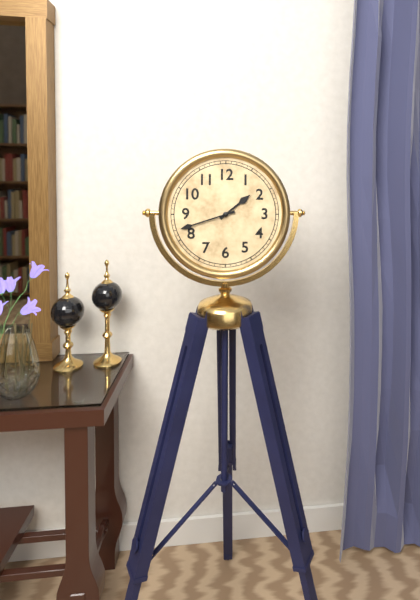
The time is {"hour": 1, "minute": 42}
